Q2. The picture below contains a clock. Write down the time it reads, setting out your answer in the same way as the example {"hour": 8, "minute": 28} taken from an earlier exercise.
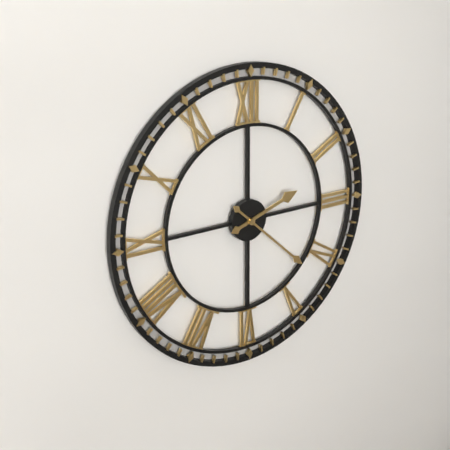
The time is {"hour": 2, "minute": 22}
